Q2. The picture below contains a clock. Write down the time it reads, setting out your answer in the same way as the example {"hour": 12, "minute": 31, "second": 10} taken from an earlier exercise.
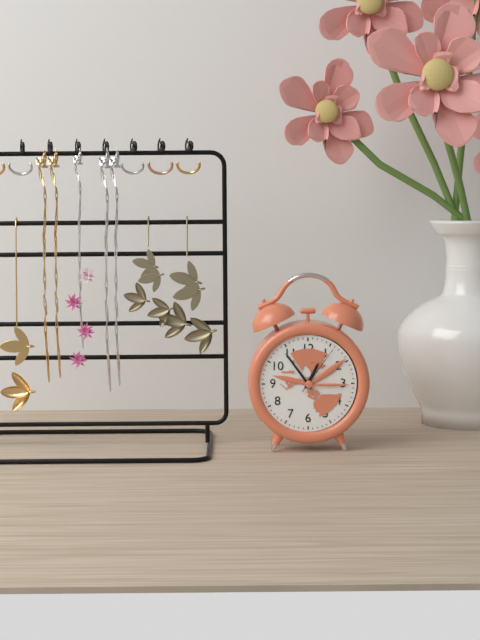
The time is {"hour": 12, "minute": 54, "second": 6}
